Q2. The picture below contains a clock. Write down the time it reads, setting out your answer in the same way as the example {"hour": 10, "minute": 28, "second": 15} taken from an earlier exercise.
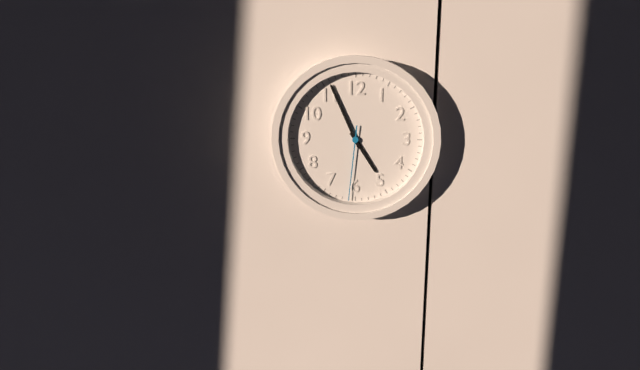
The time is {"hour": 4, "minute": 56, "second": 31}
